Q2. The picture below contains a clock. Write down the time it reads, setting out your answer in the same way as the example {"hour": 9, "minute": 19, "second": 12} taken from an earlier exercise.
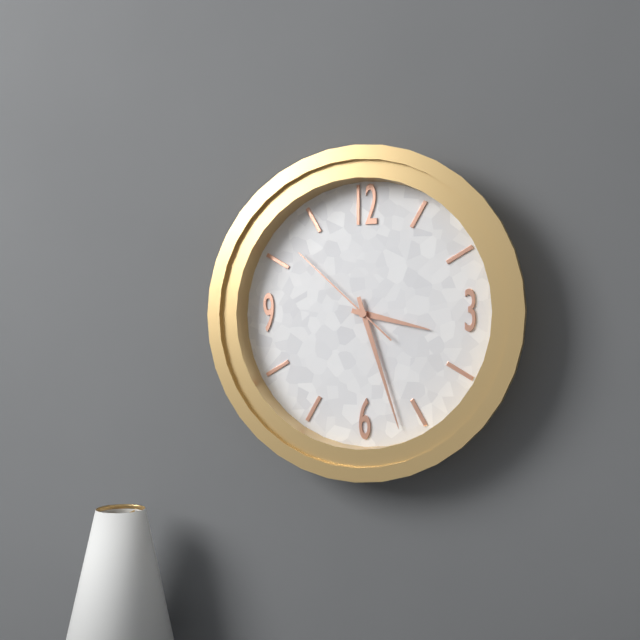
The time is {"hour": 3, "minute": 27, "second": 52}
